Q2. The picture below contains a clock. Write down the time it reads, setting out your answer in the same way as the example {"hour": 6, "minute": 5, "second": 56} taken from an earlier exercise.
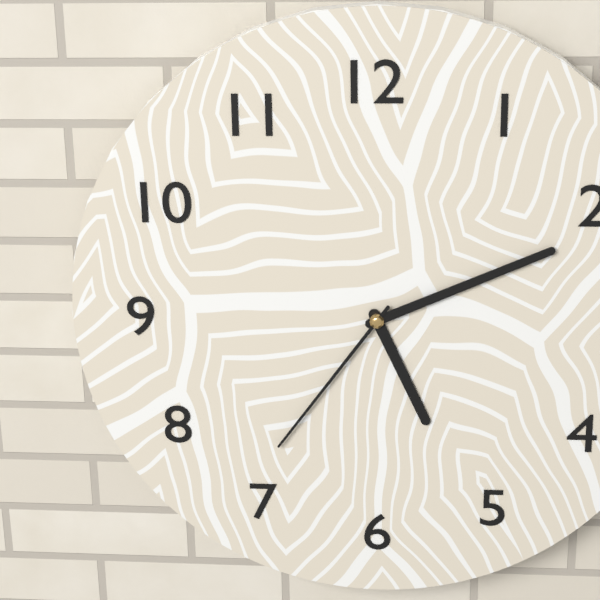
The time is {"hour": 5, "minute": 11, "second": 36}
